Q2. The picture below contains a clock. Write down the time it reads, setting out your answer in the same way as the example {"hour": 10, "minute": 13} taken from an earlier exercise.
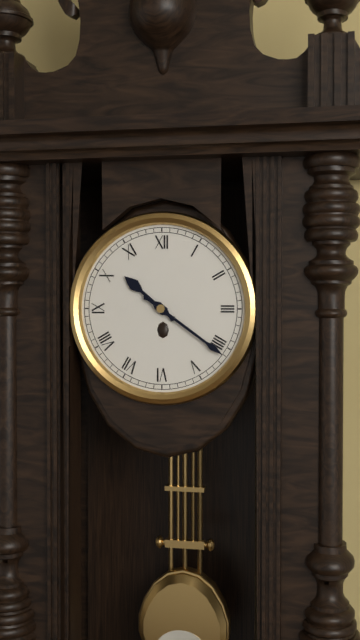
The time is {"hour": 10, "minute": 21}
